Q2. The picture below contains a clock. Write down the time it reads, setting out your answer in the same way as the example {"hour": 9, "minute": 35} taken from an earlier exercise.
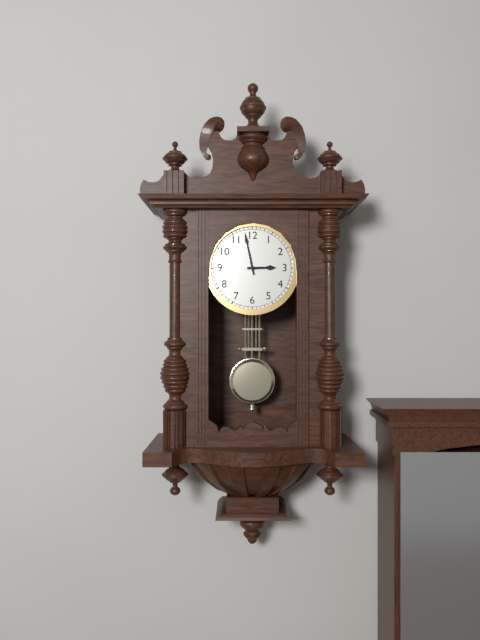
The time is {"hour": 2, "minute": 58}
